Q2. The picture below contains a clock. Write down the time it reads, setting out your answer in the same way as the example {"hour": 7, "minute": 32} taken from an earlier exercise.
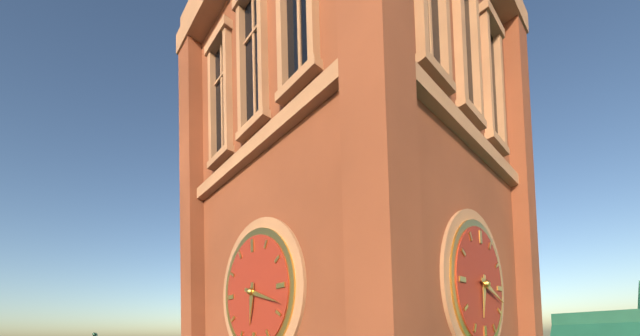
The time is {"hour": 6, "minute": 18}
